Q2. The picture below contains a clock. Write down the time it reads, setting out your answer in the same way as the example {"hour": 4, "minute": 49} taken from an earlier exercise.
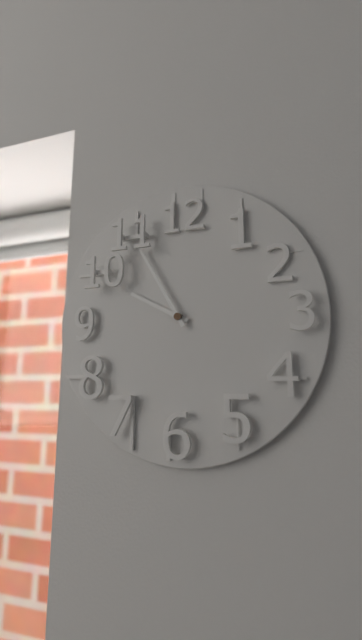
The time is {"hour": 9, "minute": 55}
